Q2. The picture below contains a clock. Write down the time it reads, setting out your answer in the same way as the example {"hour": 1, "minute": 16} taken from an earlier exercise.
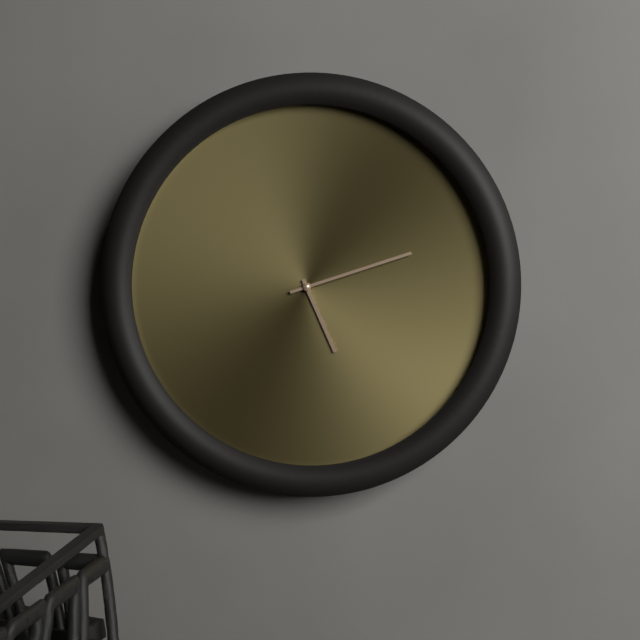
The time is {"hour": 5, "minute": 12}
